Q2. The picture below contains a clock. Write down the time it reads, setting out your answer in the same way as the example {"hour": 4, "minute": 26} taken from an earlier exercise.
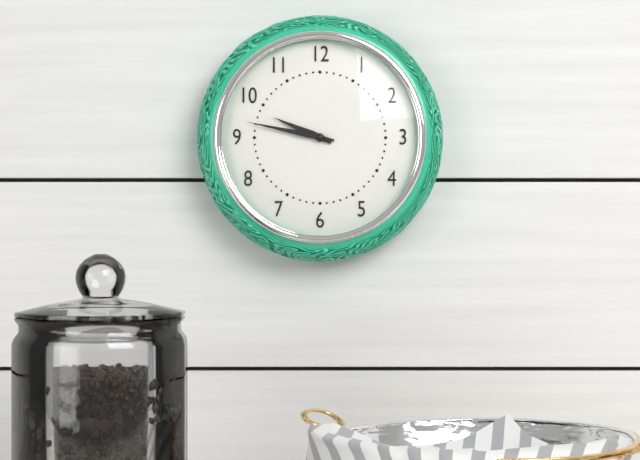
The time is {"hour": 9, "minute": 47}
